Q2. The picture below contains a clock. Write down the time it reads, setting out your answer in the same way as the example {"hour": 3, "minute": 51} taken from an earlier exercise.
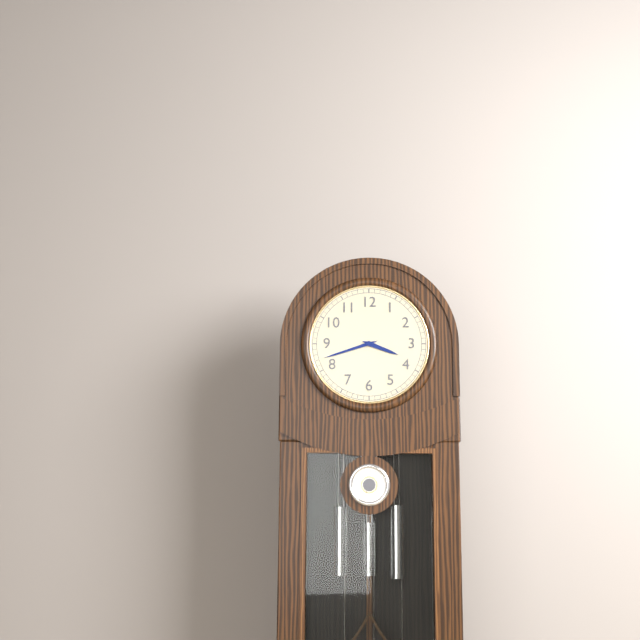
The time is {"hour": 3, "minute": 42}
